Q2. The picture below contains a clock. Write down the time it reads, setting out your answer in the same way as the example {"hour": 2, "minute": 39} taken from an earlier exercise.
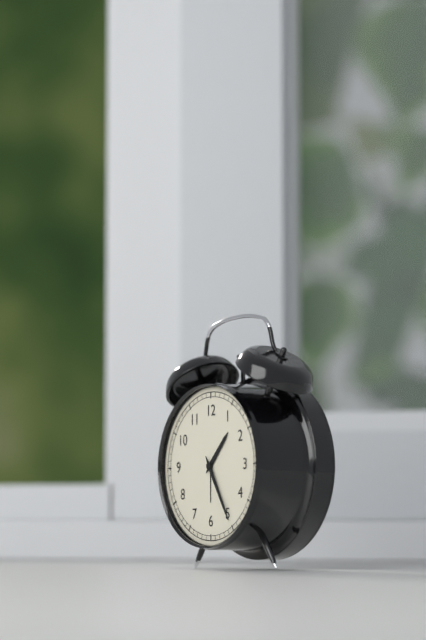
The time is {"hour": 1, "minute": 25}
